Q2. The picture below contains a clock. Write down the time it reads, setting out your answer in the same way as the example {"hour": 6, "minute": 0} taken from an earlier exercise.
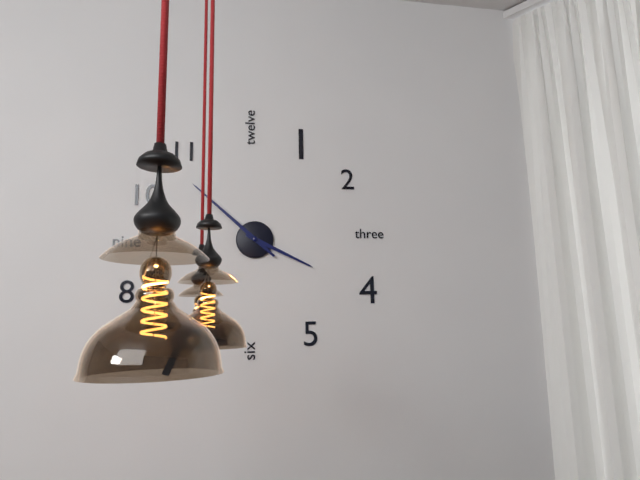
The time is {"hour": 3, "minute": 52}
